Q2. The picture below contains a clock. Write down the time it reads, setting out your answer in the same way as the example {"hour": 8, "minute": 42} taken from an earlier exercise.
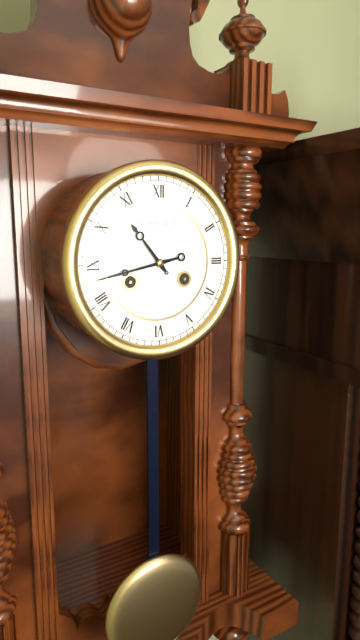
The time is {"hour": 10, "minute": 43}
